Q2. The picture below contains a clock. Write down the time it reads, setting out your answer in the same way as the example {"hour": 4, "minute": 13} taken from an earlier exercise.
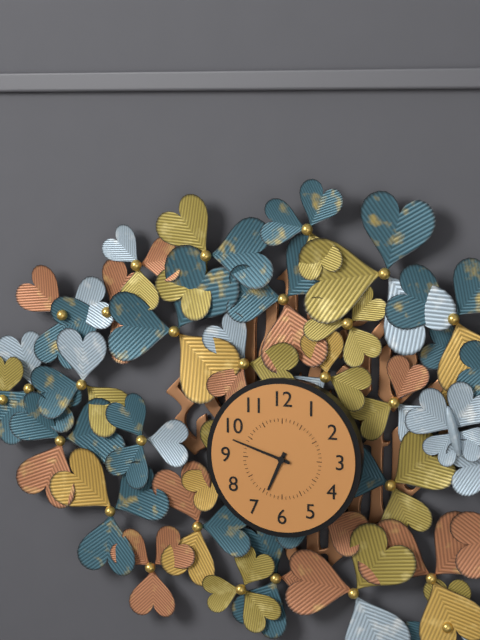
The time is {"hour": 6, "minute": 48}
